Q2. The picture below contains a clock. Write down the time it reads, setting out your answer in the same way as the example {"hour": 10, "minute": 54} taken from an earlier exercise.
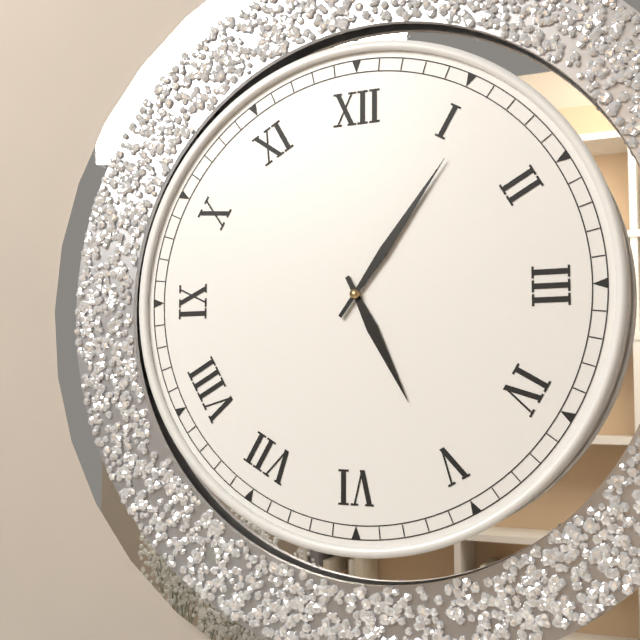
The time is {"hour": 5, "minute": 6}
